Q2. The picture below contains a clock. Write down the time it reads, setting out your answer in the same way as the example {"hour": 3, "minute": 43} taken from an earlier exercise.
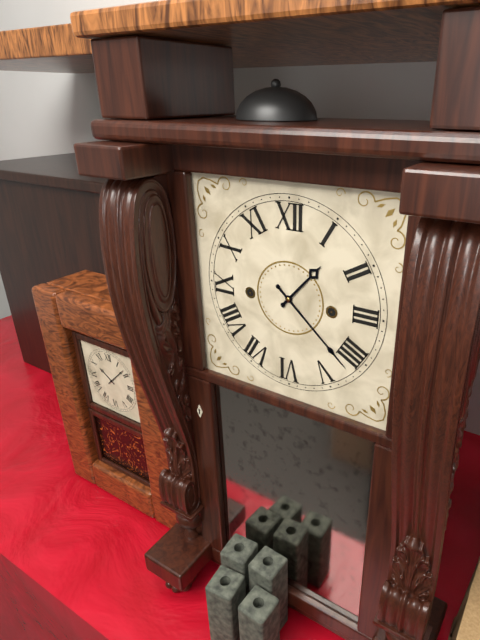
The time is {"hour": 1, "minute": 22}
